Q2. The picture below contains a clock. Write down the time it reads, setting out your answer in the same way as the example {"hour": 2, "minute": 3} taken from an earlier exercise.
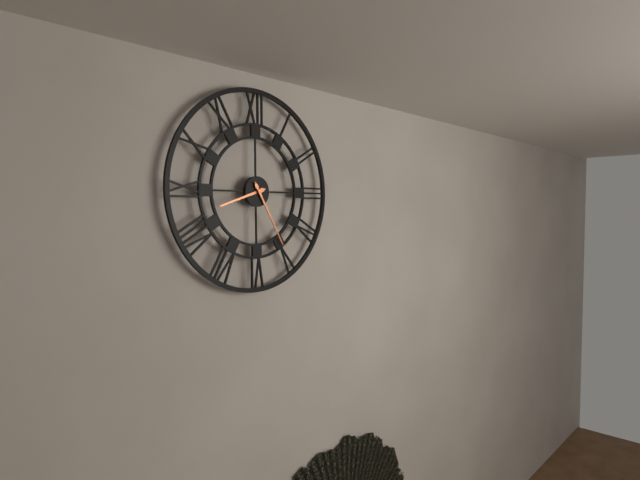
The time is {"hour": 8, "minute": 25}
